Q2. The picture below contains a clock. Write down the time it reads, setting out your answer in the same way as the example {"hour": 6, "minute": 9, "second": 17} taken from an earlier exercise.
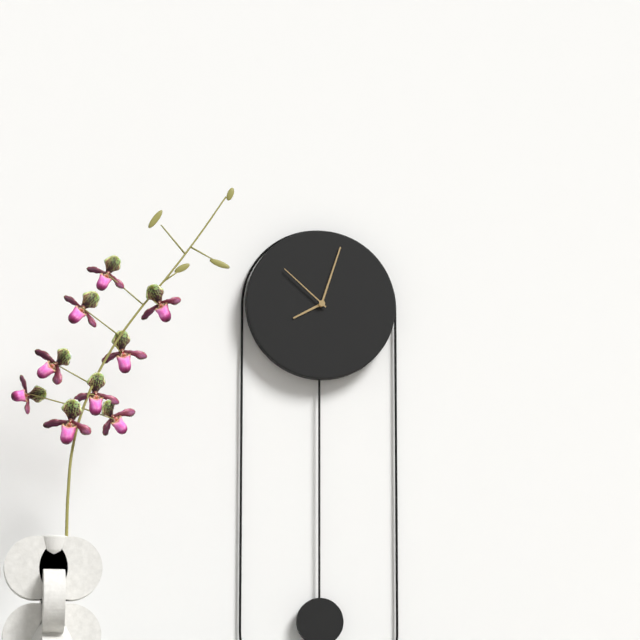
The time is {"hour": 8, "minute": 3, "second": 52}
